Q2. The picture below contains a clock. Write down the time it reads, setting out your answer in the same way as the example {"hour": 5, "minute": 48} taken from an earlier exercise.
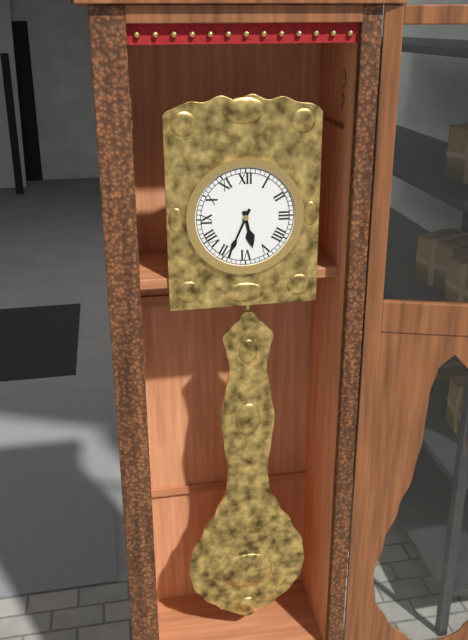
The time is {"hour": 5, "minute": 34}
